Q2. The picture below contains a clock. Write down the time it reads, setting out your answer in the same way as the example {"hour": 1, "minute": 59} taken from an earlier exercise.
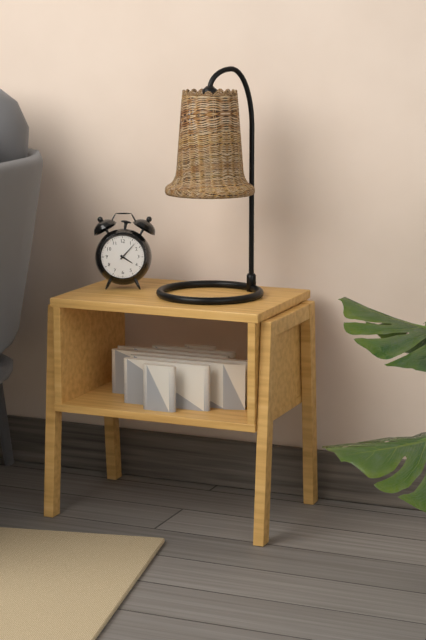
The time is {"hour": 4, "minute": 7}
